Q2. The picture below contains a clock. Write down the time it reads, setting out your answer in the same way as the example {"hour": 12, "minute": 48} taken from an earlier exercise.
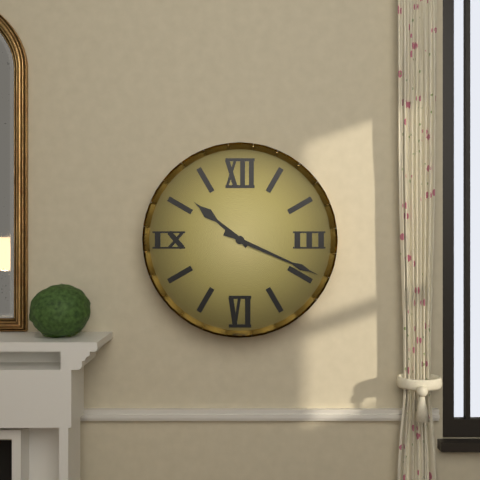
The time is {"hour": 10, "minute": 19}
